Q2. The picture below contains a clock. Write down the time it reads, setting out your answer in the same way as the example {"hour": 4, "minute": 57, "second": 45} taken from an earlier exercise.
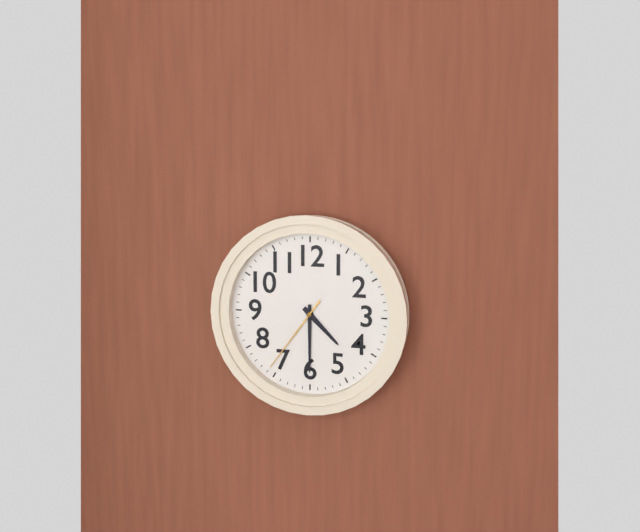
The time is {"hour": 4, "minute": 30, "second": 36}
